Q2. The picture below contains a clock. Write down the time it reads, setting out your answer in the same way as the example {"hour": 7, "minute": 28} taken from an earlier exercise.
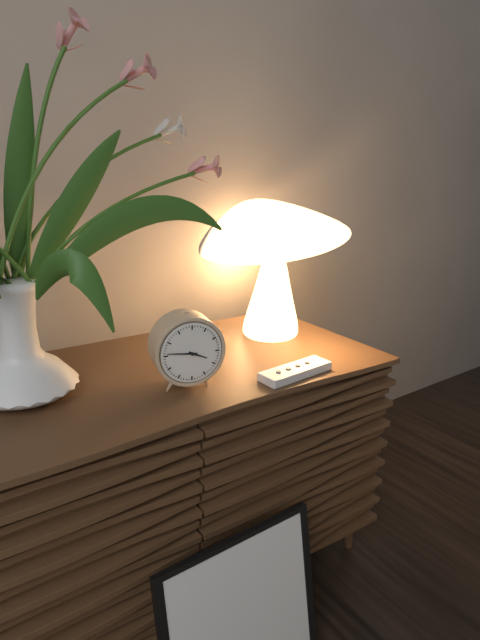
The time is {"hour": 3, "minute": 46}
